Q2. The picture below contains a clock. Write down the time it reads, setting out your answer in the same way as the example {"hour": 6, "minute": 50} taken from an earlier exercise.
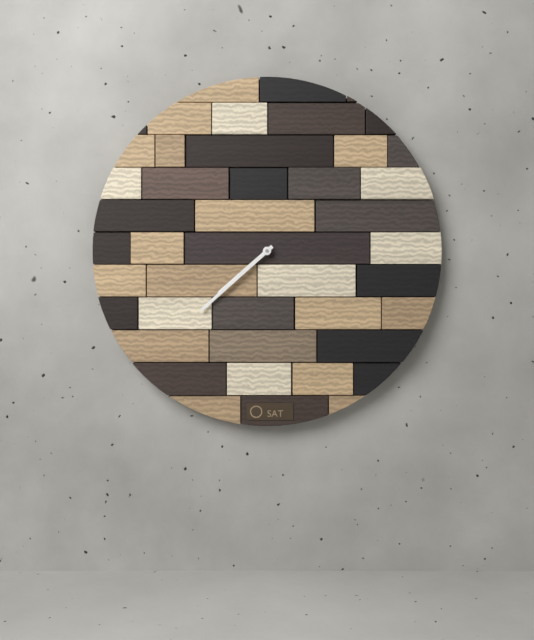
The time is {"hour": 7, "minute": 38}
